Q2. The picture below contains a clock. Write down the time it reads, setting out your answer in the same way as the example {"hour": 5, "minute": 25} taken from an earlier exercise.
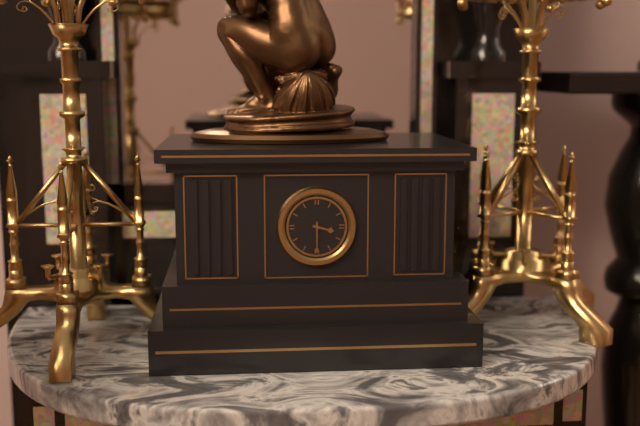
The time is {"hour": 3, "minute": 30}
